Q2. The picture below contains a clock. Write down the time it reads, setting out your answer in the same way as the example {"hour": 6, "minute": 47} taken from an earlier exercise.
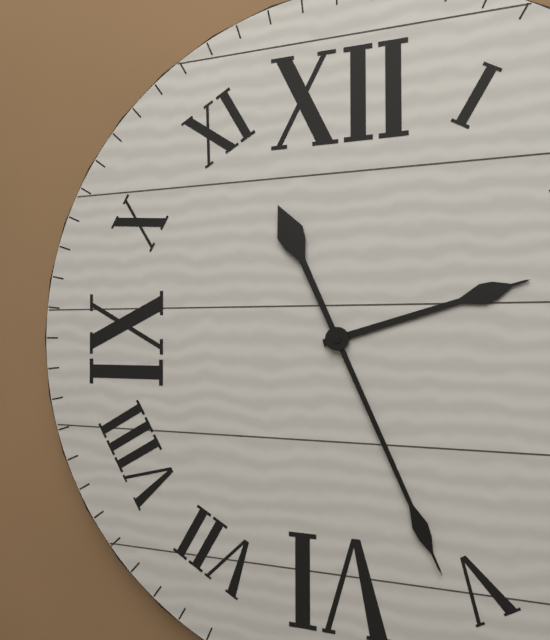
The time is {"hour": 2, "minute": 26}
